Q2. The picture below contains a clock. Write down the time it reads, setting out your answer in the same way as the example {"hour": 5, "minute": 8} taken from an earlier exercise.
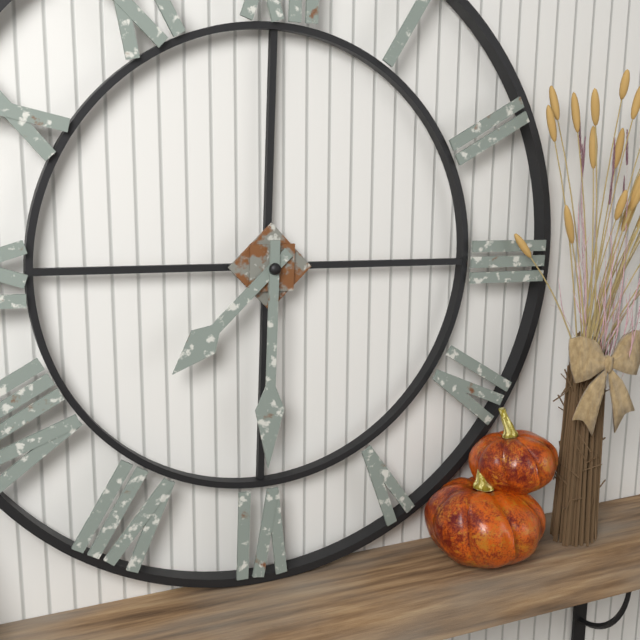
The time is {"hour": 7, "minute": 30}
